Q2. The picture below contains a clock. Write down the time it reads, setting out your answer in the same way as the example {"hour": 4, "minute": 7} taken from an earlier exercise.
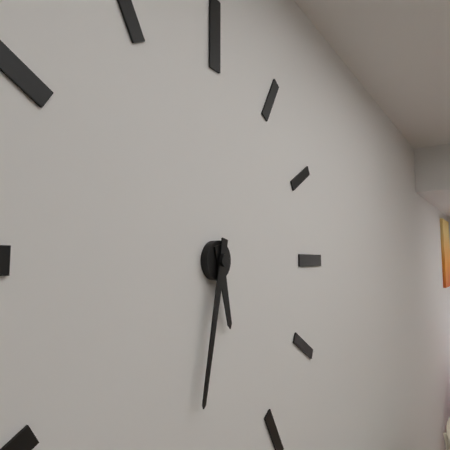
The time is {"hour": 5, "minute": 32}
